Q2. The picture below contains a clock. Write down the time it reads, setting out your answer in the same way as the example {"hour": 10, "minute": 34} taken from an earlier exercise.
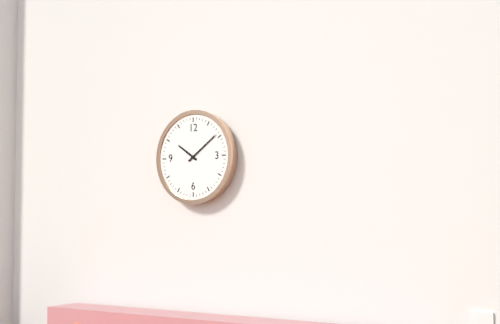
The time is {"hour": 10, "minute": 9}
